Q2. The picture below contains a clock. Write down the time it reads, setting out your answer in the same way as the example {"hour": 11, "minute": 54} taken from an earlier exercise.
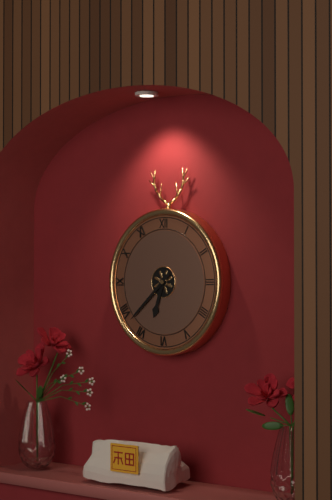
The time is {"hour": 6, "minute": 38}
